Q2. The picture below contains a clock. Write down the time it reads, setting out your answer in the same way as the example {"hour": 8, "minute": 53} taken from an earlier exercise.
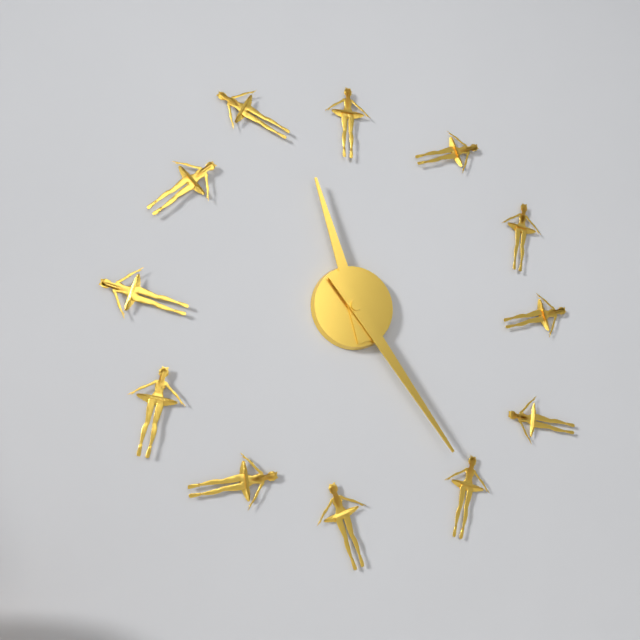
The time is {"hour": 11, "minute": 24}
